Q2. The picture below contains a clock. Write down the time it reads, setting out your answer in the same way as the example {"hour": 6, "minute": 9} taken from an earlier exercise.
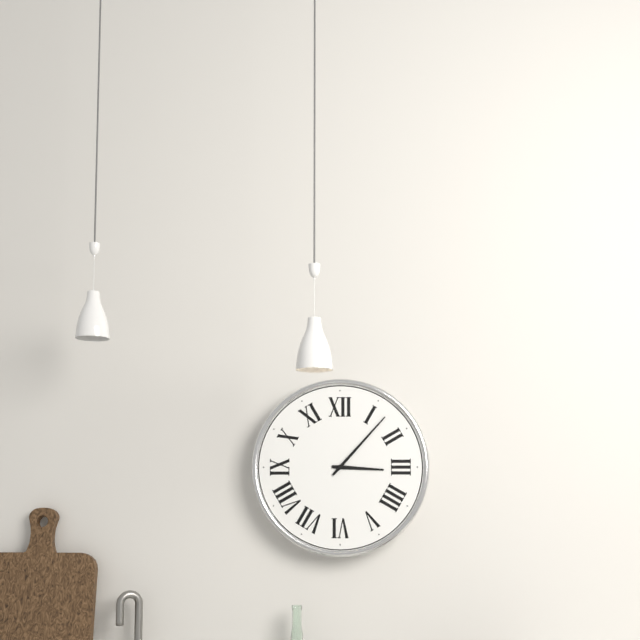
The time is {"hour": 3, "minute": 7}
